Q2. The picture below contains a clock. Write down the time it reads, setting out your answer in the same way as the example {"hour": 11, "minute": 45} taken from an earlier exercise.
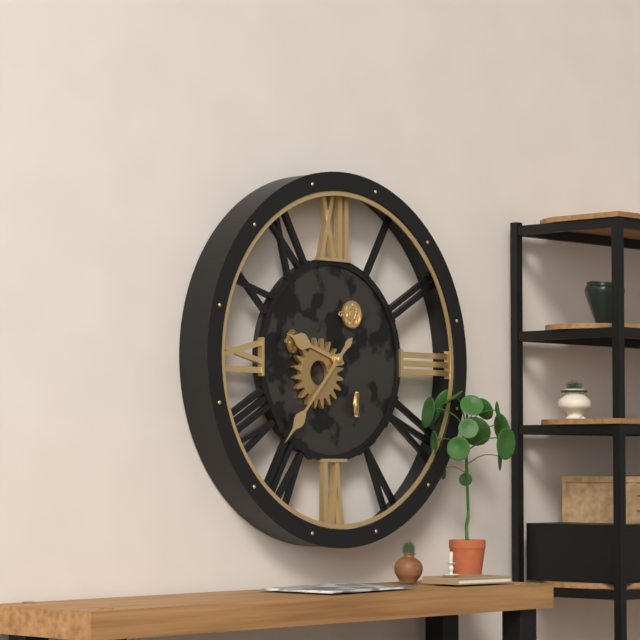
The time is {"hour": 9, "minute": 37}
